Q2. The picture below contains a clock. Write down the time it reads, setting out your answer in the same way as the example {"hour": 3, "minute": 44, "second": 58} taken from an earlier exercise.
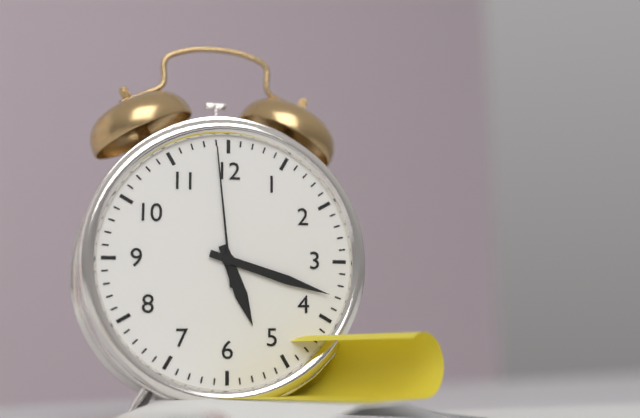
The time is {"hour": 5, "minute": 18, "second": 59}
